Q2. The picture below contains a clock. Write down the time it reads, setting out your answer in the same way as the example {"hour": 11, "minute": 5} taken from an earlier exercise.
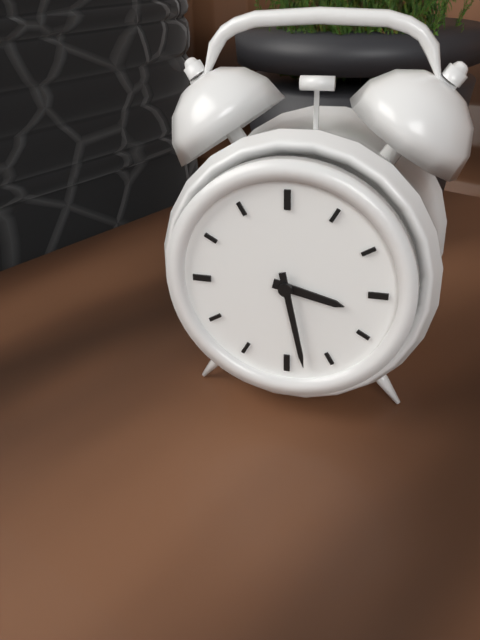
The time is {"hour": 3, "minute": 28}
